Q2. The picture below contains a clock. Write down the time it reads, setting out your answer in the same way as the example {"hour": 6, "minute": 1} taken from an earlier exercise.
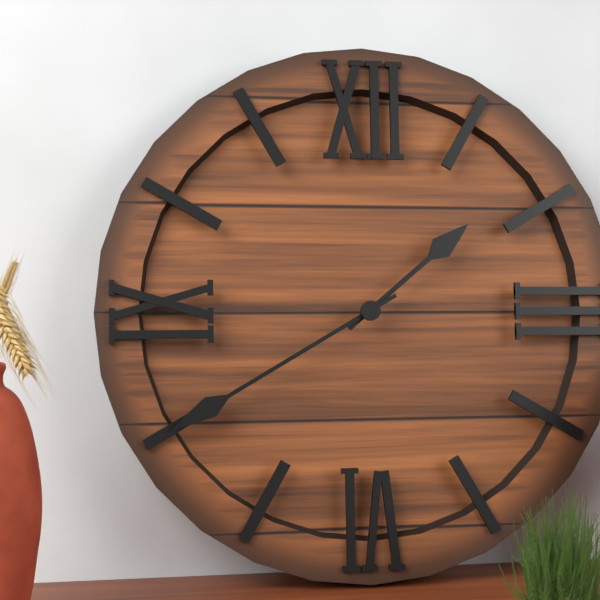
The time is {"hour": 1, "minute": 40}
